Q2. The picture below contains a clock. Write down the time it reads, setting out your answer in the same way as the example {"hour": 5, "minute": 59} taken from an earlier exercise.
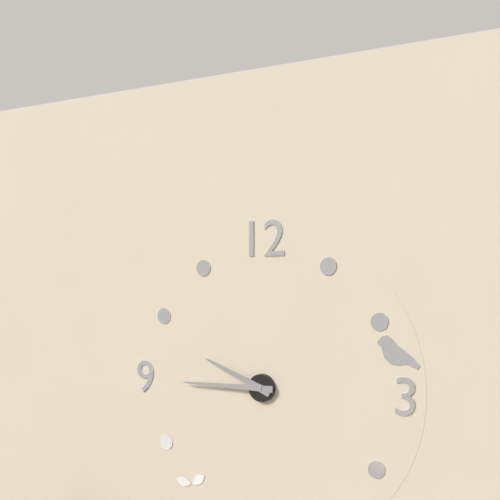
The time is {"hour": 9, "minute": 45}
